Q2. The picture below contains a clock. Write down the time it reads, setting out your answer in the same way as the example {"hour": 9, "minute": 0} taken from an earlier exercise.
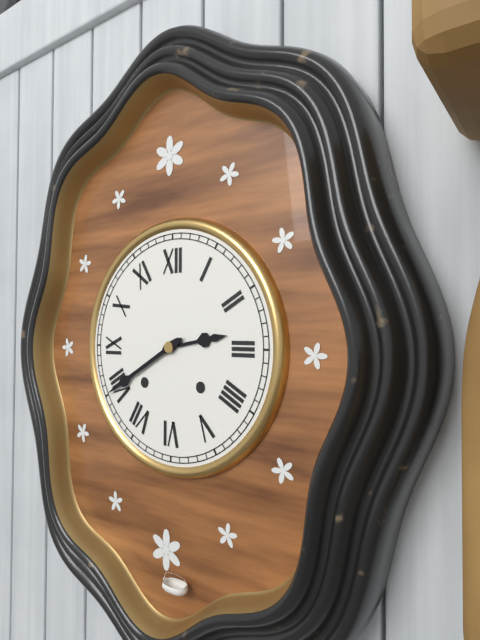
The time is {"hour": 2, "minute": 40}
